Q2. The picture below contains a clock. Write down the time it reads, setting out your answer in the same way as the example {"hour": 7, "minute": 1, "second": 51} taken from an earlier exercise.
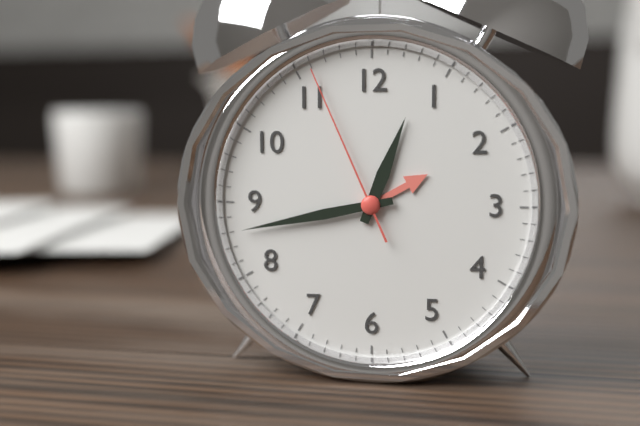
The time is {"hour": 12, "minute": 43, "second": 56}
